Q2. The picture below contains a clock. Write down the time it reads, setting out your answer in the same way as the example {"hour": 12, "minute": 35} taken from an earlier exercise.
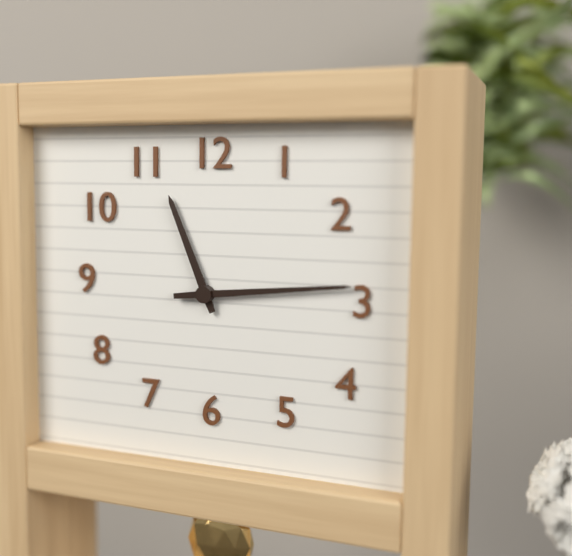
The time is {"hour": 11, "minute": 14}
